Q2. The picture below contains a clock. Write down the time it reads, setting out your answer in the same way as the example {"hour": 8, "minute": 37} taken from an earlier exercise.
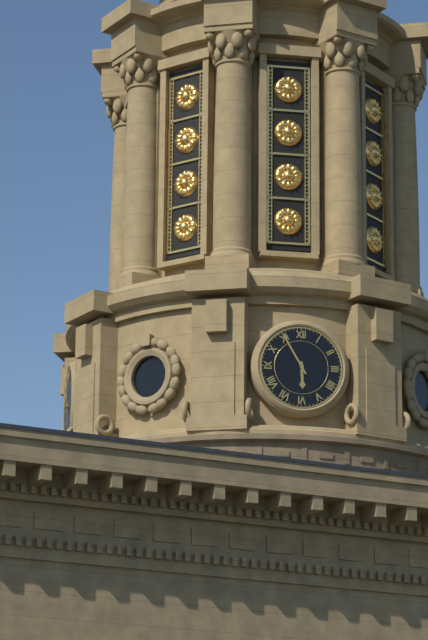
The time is {"hour": 5, "minute": 55}
